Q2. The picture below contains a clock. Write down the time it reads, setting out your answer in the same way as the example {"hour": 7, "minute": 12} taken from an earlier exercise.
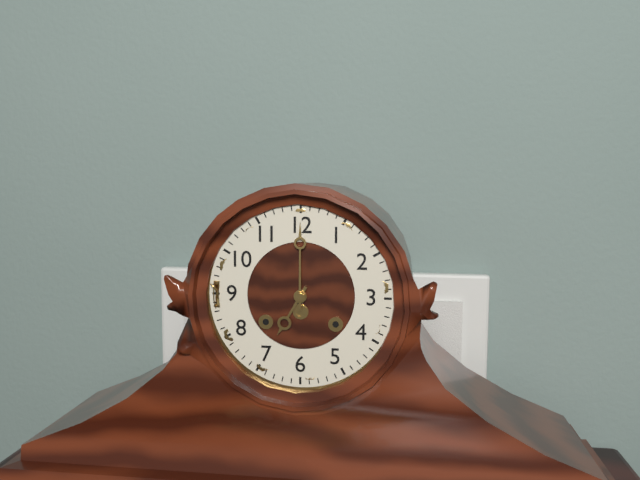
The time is {"hour": 7, "minute": 0}
